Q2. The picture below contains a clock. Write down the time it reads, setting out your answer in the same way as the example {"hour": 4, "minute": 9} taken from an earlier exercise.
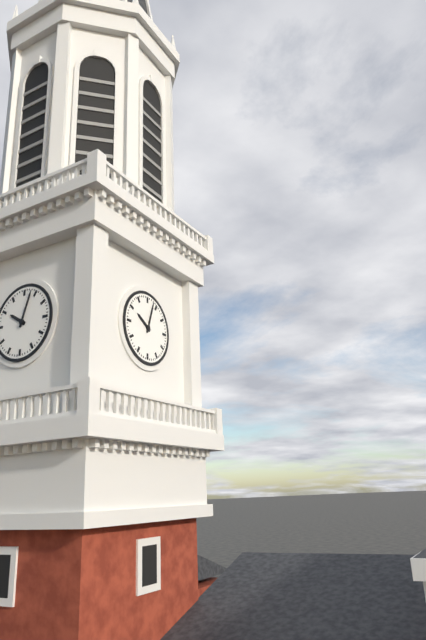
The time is {"hour": 10, "minute": 3}
